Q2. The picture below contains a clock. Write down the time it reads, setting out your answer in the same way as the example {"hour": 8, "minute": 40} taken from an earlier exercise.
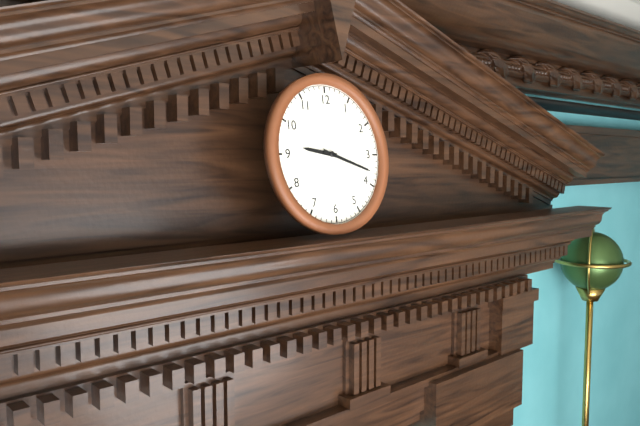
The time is {"hour": 9, "minute": 18}
